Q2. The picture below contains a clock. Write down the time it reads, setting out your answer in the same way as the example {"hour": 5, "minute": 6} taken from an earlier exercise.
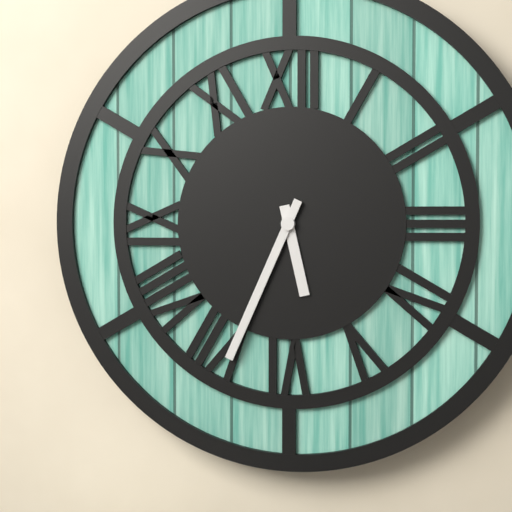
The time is {"hour": 5, "minute": 34}
